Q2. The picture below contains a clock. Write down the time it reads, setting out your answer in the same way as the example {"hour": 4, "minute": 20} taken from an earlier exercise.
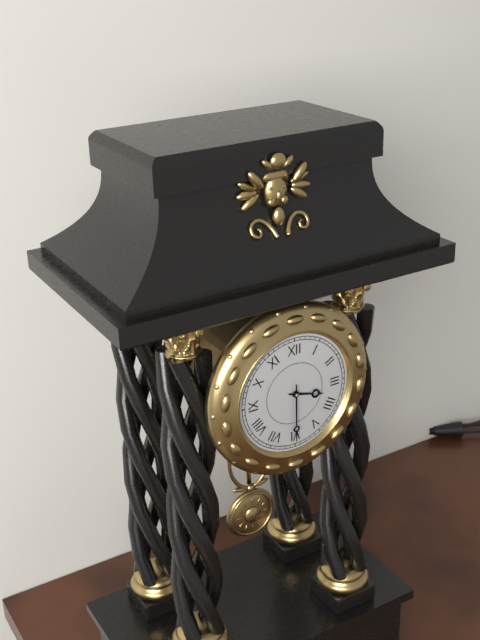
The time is {"hour": 3, "minute": 30}
